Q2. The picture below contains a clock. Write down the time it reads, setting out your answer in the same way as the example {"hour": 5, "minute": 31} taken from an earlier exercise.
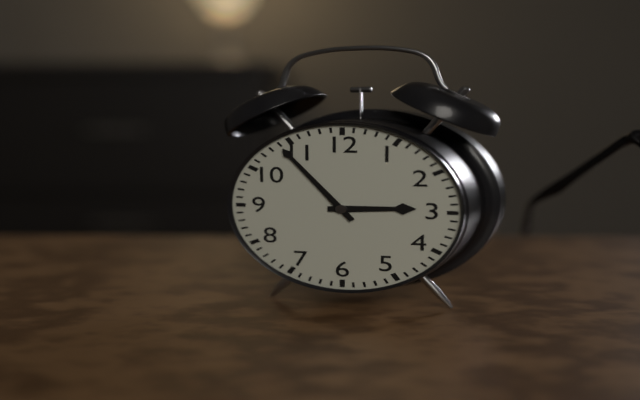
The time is {"hour": 2, "minute": 54}
